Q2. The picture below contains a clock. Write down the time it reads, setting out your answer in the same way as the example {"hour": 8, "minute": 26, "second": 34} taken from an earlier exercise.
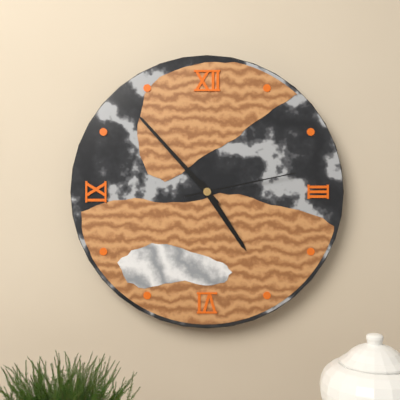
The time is {"hour": 4, "minute": 53, "second": 13}
